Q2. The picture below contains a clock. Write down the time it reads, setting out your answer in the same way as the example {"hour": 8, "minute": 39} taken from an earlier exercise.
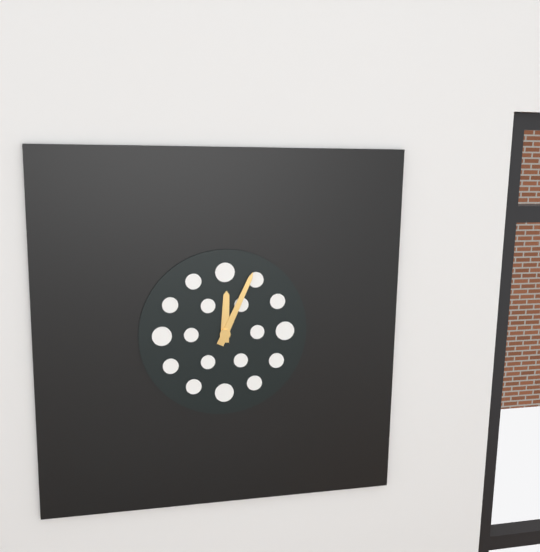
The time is {"hour": 12, "minute": 4}
